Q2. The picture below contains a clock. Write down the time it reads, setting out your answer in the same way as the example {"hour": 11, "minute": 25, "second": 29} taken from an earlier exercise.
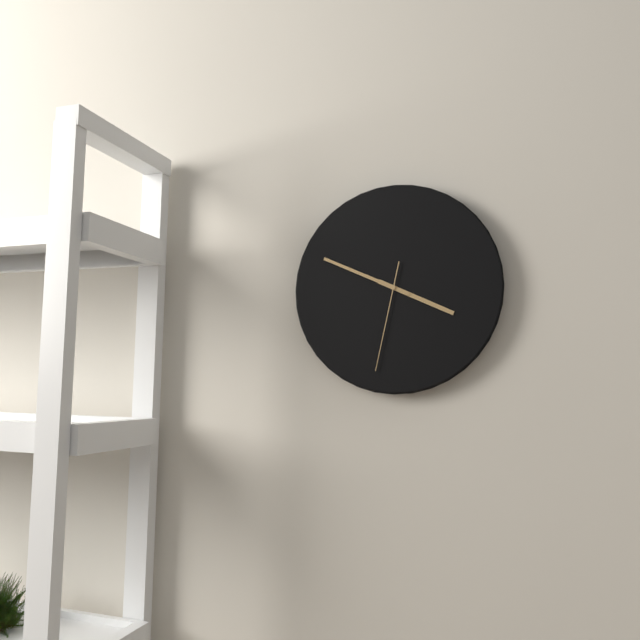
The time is {"hour": 3, "minute": 49, "second": 32}
